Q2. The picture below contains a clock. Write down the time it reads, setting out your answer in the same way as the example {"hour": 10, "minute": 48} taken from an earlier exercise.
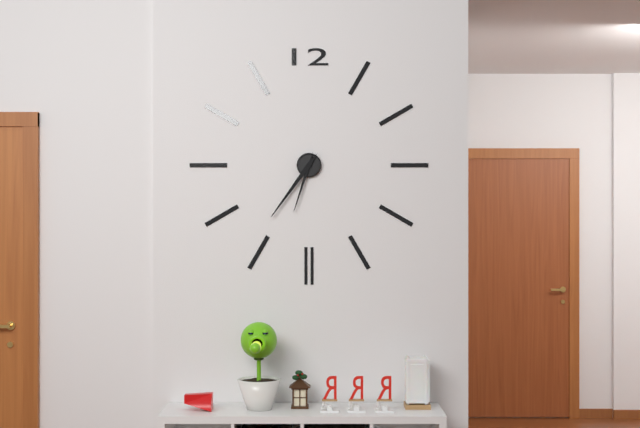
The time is {"hour": 6, "minute": 36}
